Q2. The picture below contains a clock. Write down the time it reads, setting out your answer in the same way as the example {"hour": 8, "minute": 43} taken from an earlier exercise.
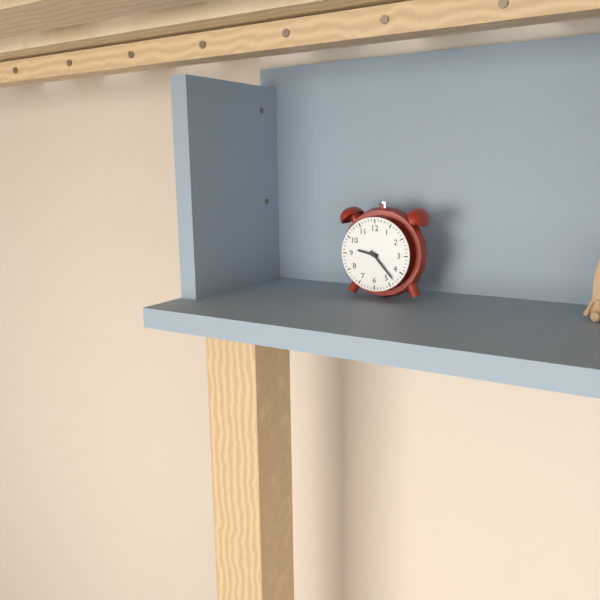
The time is {"hour": 9, "minute": 23}
